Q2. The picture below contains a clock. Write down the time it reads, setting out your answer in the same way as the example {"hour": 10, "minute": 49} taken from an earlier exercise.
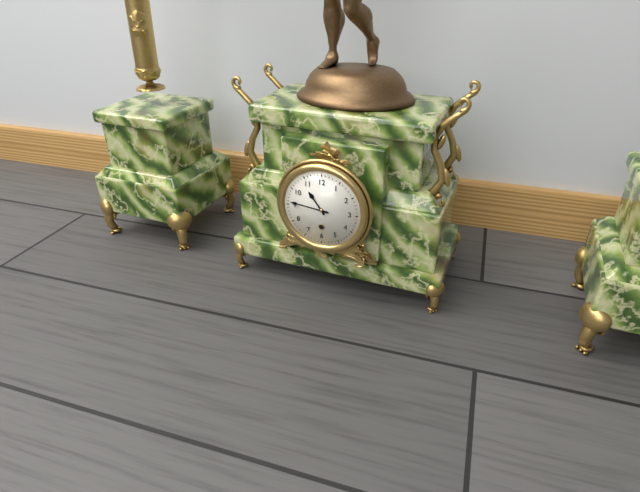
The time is {"hour": 10, "minute": 46}
